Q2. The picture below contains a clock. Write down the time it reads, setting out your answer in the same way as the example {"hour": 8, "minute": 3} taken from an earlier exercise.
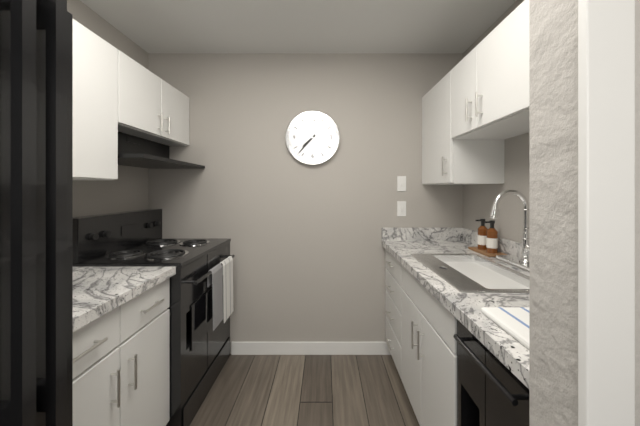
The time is {"hour": 7, "minute": 37}
